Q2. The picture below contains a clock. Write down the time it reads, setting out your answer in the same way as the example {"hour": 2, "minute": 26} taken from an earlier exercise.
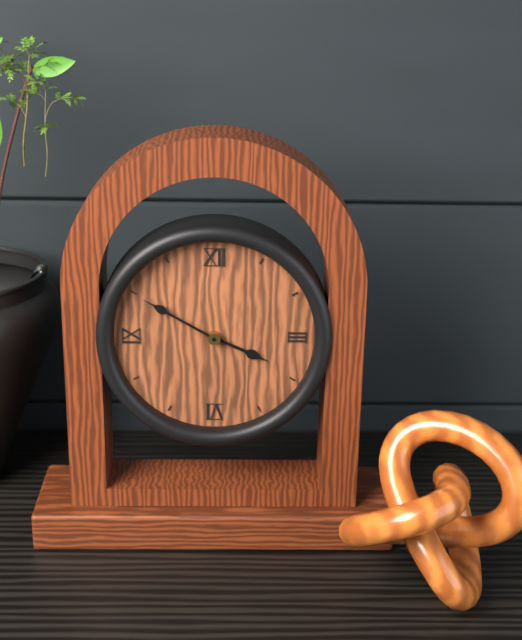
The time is {"hour": 3, "minute": 50}
